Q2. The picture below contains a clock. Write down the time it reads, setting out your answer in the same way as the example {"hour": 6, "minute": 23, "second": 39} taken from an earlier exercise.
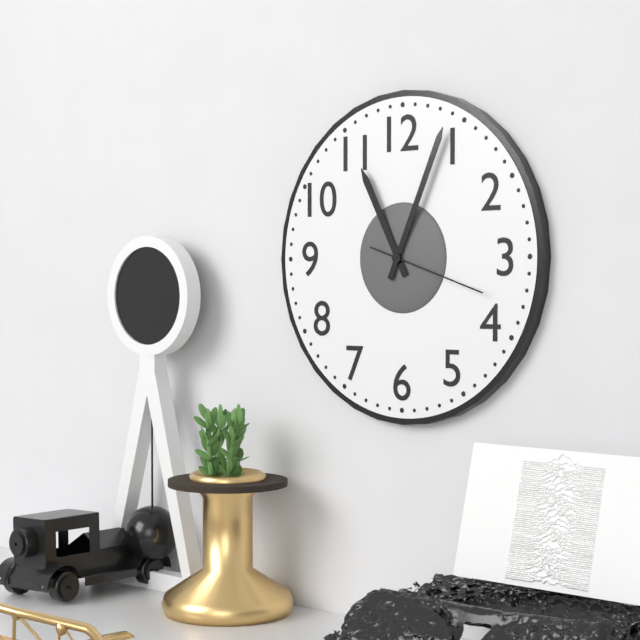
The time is {"hour": 11, "minute": 4, "second": 18}
